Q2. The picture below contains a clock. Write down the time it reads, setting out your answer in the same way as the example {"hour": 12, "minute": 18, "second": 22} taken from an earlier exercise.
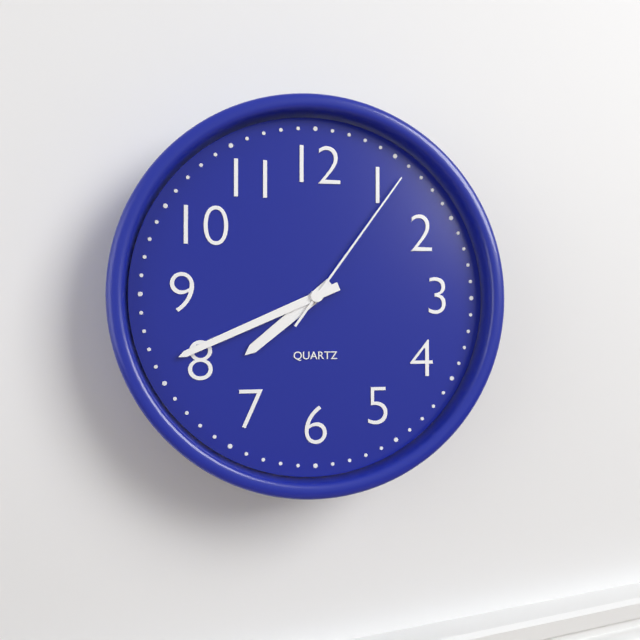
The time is {"hour": 7, "minute": 41, "second": 6}
